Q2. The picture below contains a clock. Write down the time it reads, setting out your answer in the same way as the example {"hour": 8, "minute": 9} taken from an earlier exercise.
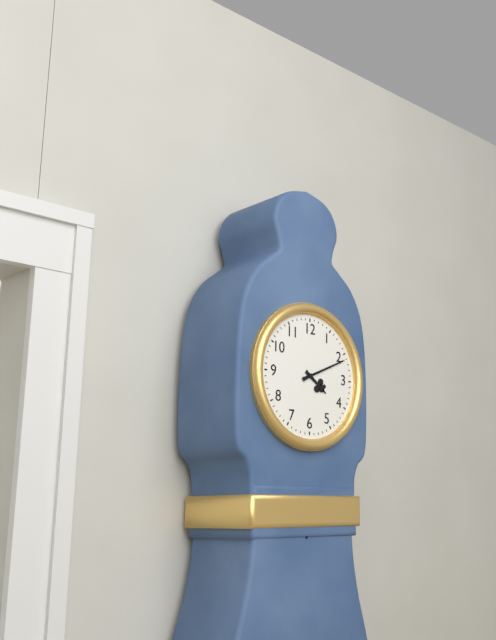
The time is {"hour": 4, "minute": 11}
